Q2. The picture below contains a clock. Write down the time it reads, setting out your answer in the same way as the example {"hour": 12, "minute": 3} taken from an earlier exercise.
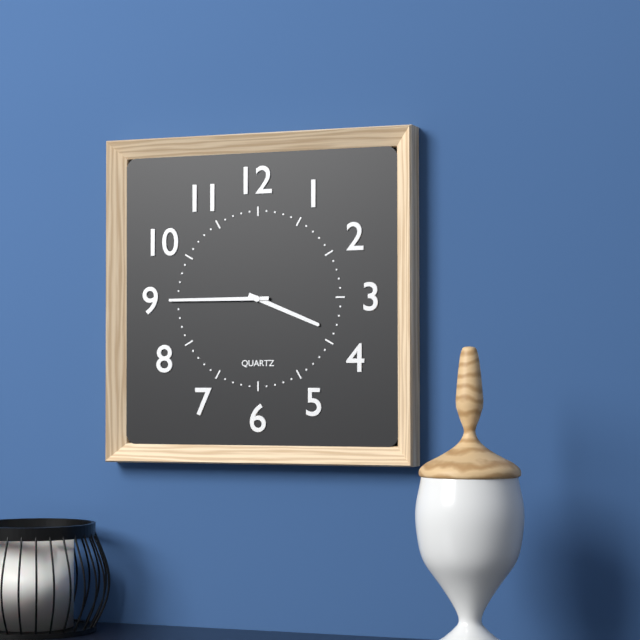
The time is {"hour": 3, "minute": 45}
